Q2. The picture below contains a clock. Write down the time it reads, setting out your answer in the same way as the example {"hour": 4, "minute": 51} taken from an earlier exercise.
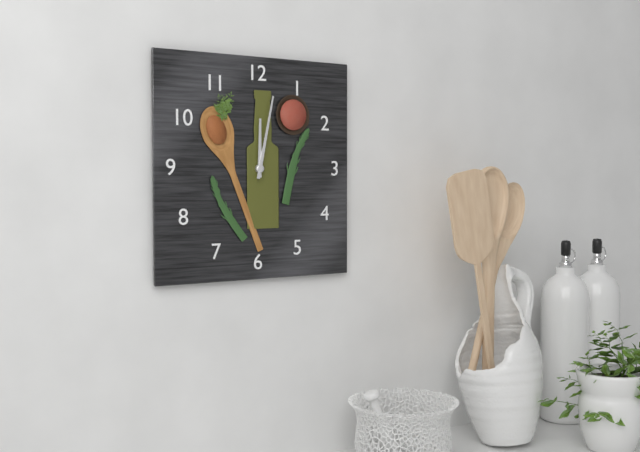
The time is {"hour": 12, "minute": 2}
